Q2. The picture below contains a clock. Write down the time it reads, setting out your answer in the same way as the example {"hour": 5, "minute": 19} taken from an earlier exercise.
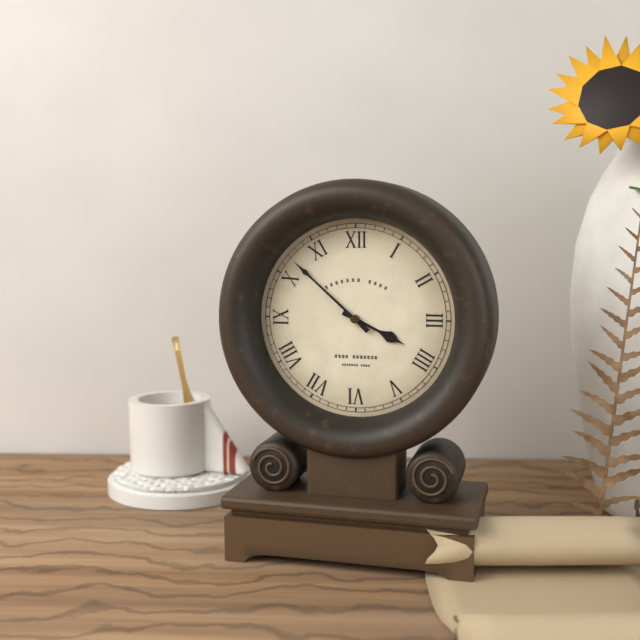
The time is {"hour": 3, "minute": 52}
